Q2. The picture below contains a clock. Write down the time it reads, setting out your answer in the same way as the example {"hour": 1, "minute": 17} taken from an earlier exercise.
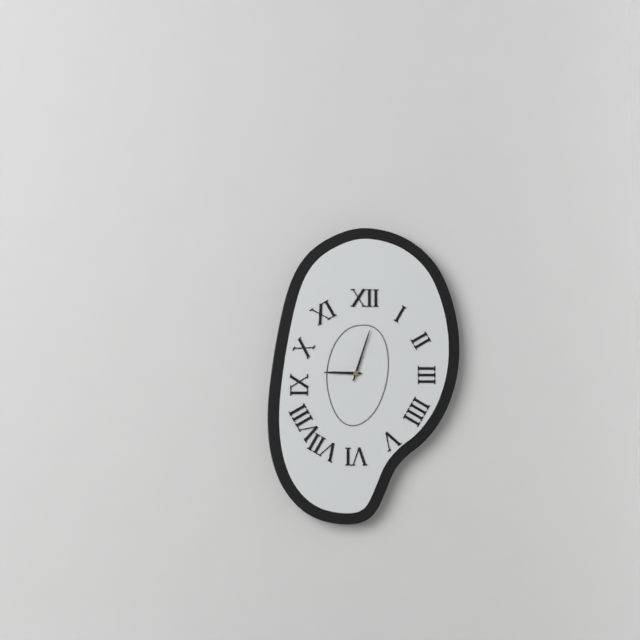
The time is {"hour": 9, "minute": 3}
